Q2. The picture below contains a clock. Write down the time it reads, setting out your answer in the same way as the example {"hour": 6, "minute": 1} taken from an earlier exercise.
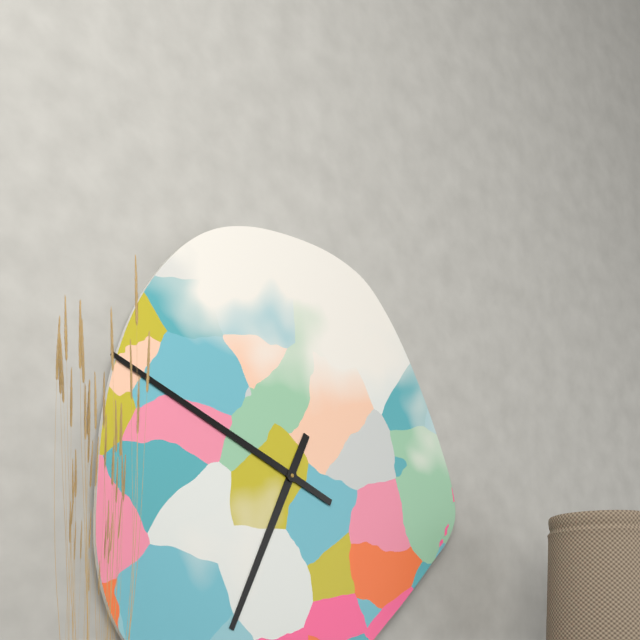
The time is {"hour": 6, "minute": 49}
